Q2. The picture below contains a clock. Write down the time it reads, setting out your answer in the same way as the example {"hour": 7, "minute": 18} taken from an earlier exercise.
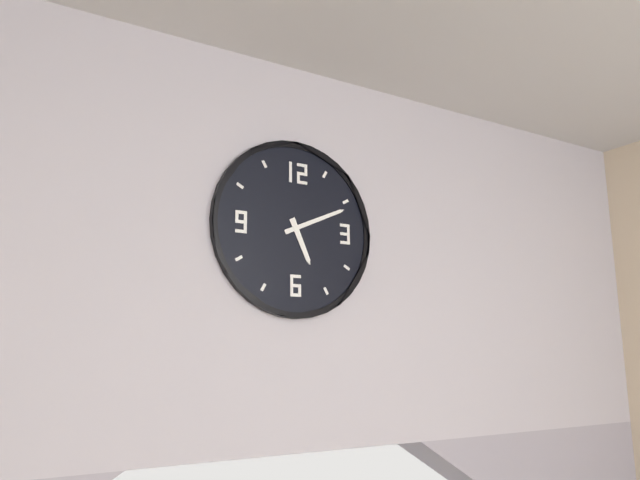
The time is {"hour": 5, "minute": 11}
